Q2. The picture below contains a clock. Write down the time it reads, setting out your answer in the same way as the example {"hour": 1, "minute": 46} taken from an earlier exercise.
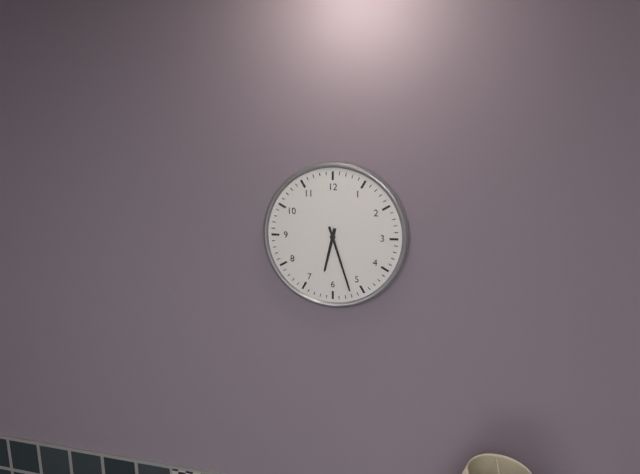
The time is {"hour": 6, "minute": 27}
